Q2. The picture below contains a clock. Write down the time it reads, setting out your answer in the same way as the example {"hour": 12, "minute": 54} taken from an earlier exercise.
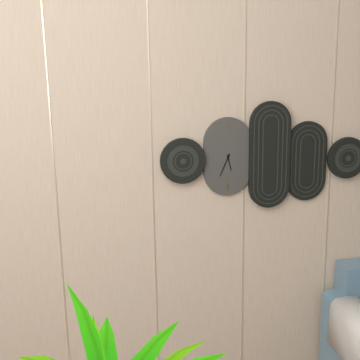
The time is {"hour": 5, "minute": 34}
